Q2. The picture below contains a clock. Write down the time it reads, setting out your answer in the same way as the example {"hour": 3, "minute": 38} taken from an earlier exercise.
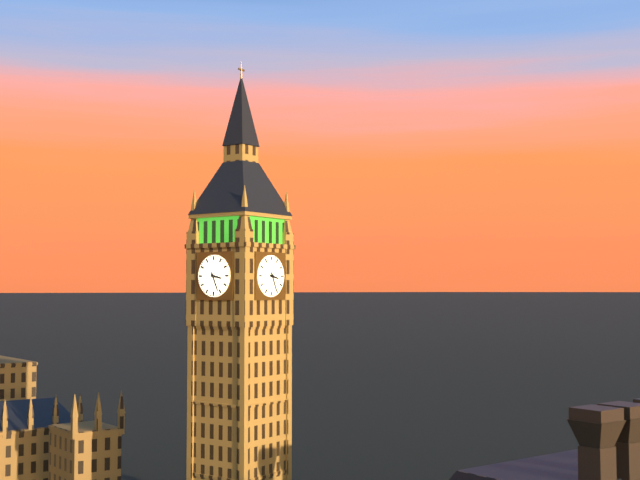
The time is {"hour": 3, "minute": 26}
